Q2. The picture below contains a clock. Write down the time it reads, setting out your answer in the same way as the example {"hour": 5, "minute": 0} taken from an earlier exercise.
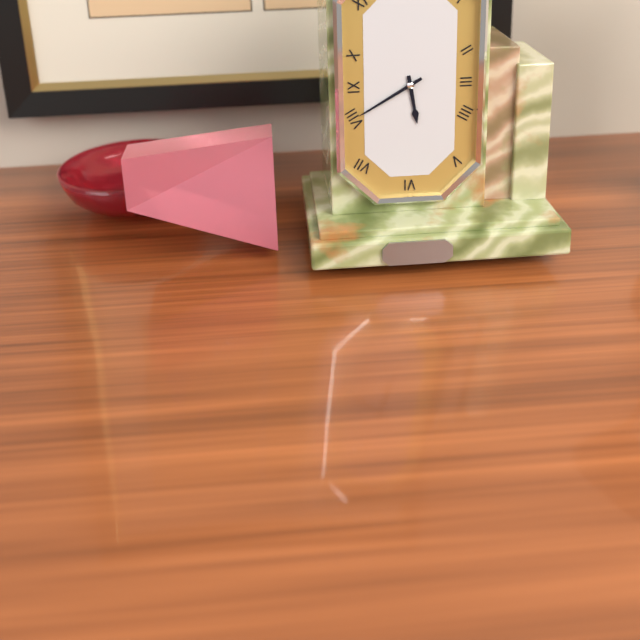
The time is {"hour": 5, "minute": 40}
